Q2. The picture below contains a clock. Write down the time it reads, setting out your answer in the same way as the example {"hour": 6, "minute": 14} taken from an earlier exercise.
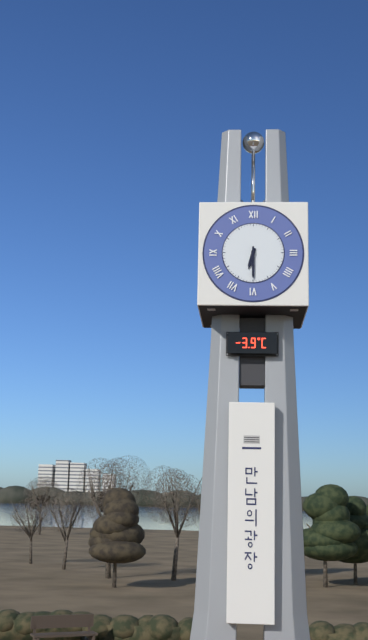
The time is {"hour": 6, "minute": 30}
